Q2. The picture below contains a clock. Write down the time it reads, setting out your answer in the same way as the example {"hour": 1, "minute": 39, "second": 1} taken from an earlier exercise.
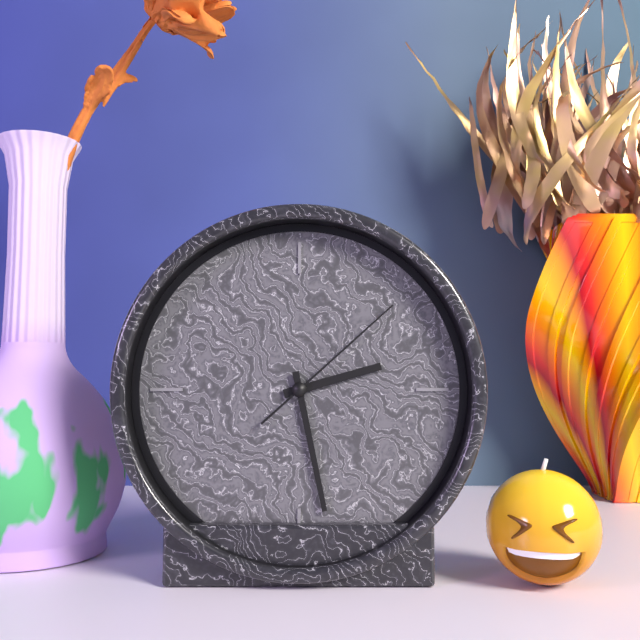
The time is {"hour": 2, "minute": 28, "second": 8}
